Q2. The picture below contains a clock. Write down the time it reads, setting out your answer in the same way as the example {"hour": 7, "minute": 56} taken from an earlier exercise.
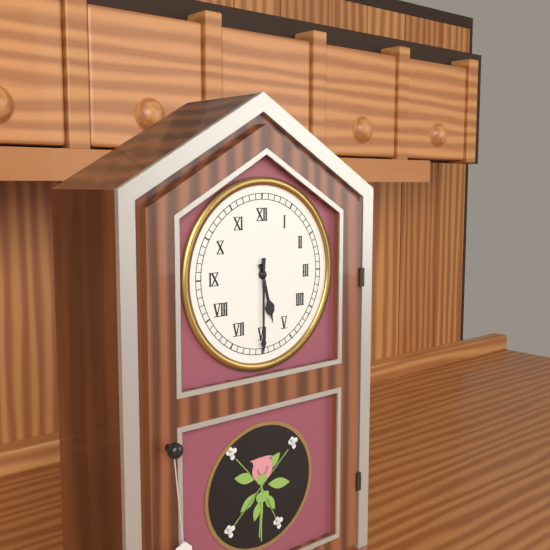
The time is {"hour": 5, "minute": 30}
